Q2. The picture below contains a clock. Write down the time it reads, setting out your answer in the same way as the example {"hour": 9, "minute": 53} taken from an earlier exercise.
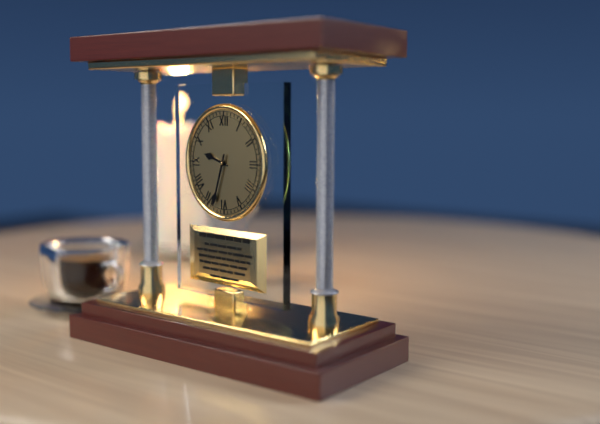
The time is {"hour": 9, "minute": 33}
